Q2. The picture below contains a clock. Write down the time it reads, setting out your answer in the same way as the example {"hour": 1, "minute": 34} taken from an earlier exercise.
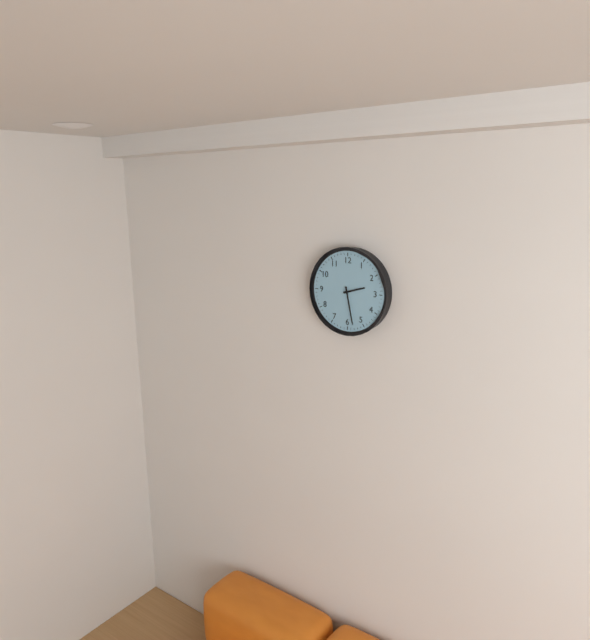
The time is {"hour": 2, "minute": 28}
